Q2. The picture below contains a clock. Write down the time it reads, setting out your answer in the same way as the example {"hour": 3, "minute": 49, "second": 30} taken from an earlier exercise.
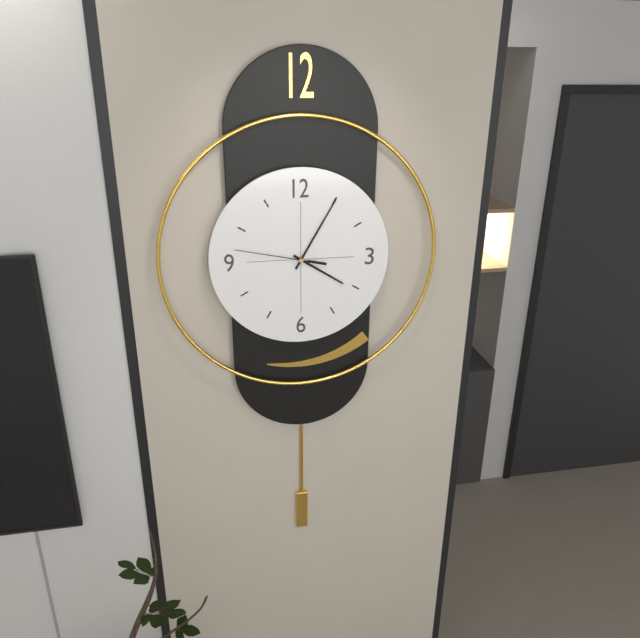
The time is {"hour": 4, "minute": 5, "second": 47}
